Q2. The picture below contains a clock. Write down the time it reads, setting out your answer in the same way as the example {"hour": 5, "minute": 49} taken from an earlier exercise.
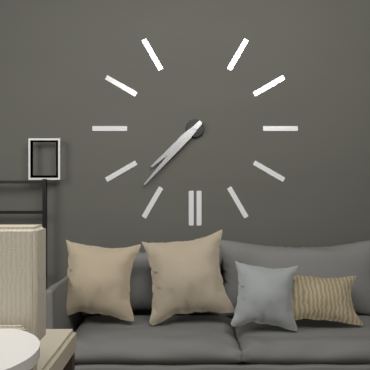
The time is {"hour": 7, "minute": 37}
